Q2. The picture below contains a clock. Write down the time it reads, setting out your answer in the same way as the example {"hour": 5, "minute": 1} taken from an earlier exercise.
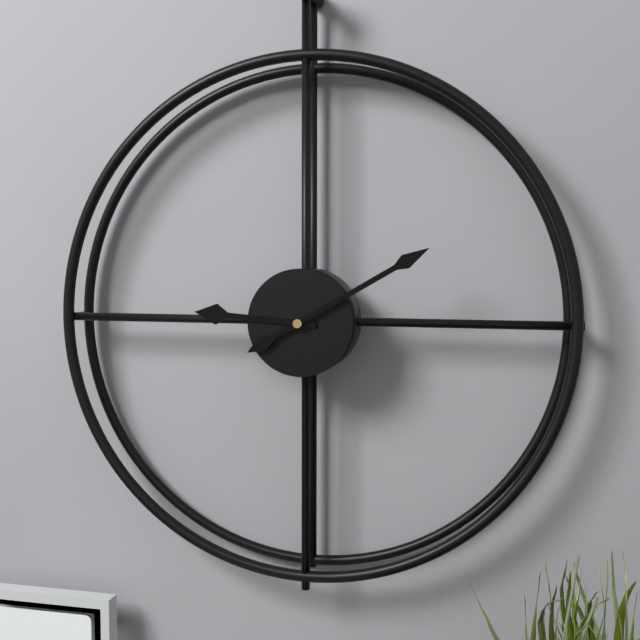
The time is {"hour": 9, "minute": 10}
